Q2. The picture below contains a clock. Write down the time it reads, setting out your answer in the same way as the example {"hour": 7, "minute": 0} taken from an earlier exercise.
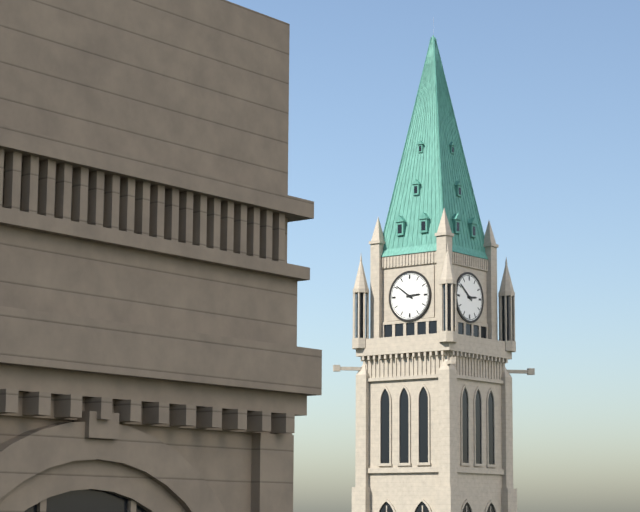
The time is {"hour": 2, "minute": 51}
